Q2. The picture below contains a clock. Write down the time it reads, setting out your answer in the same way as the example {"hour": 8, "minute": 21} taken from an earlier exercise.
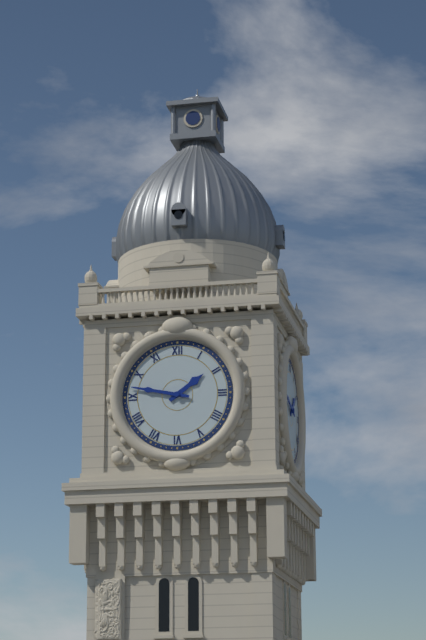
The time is {"hour": 1, "minute": 47}
